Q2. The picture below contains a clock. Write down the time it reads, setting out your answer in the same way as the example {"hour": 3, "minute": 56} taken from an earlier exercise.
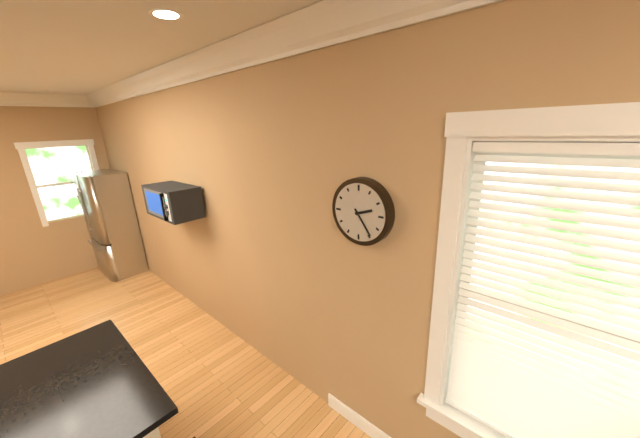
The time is {"hour": 2, "minute": 24}
